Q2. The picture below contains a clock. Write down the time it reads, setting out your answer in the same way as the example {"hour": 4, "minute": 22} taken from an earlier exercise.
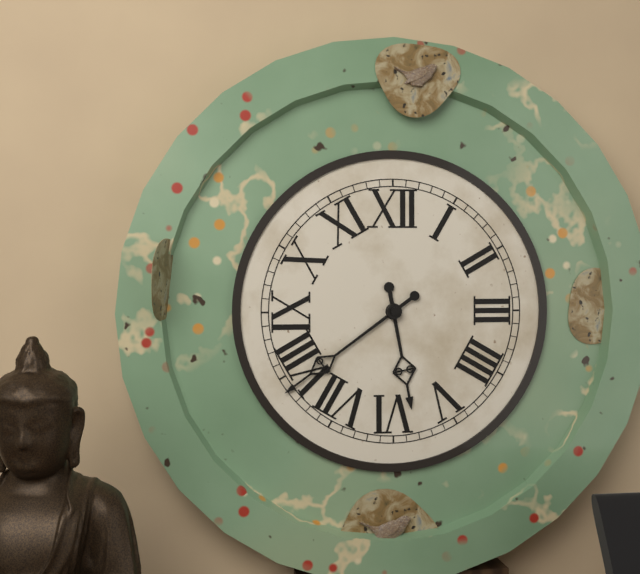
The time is {"hour": 5, "minute": 39}
